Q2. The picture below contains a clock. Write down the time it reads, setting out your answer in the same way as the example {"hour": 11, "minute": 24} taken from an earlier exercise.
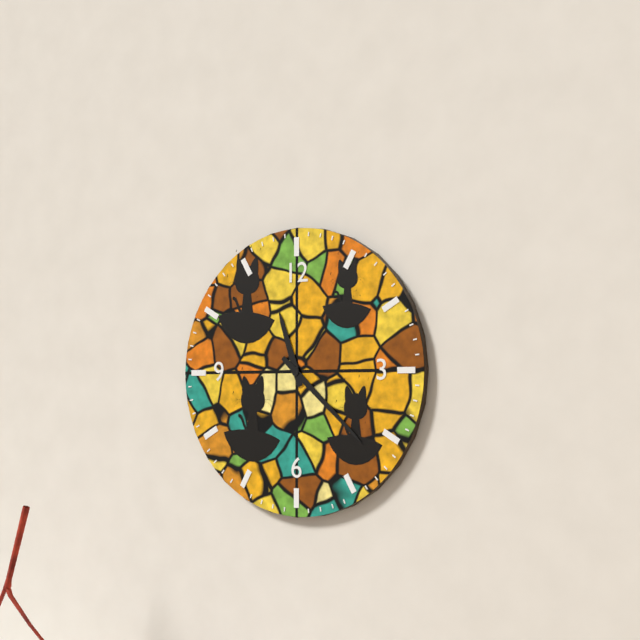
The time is {"hour": 11, "minute": 22}
